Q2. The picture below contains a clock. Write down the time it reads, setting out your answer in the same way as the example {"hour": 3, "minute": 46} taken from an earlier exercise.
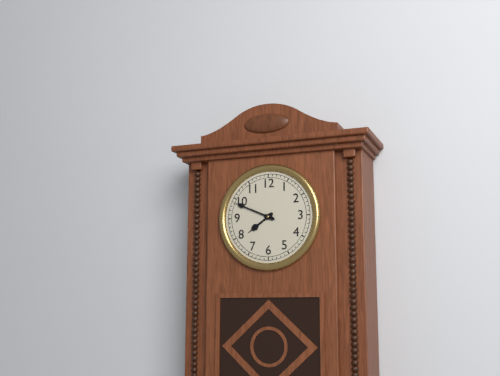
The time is {"hour": 7, "minute": 49}
